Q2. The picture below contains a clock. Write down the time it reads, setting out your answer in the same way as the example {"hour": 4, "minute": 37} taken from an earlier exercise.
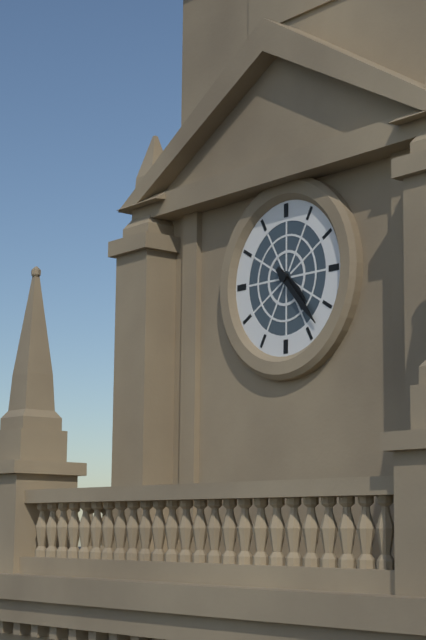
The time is {"hour": 4, "minute": 23}
